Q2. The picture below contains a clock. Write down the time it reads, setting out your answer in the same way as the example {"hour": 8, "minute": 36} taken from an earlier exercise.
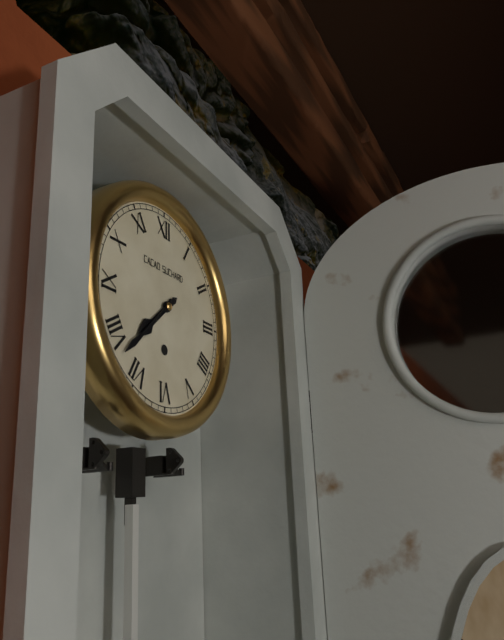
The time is {"hour": 7, "minute": 38}
